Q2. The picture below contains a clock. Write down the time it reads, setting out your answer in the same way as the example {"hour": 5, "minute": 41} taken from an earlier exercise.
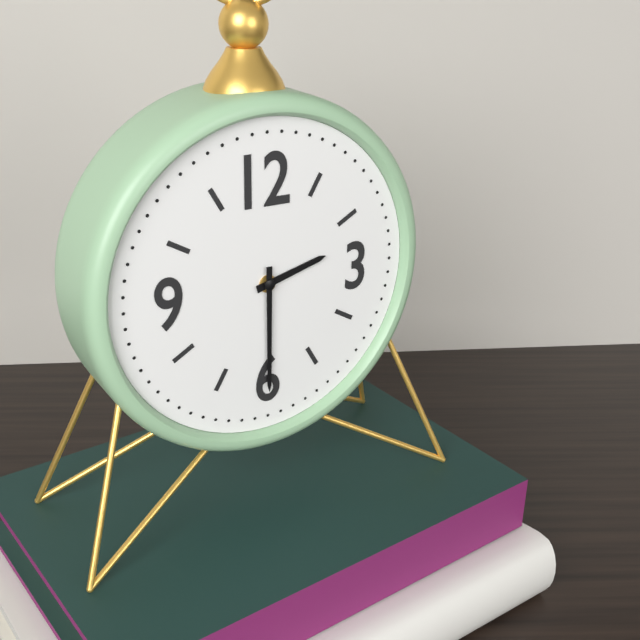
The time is {"hour": 2, "minute": 30}
